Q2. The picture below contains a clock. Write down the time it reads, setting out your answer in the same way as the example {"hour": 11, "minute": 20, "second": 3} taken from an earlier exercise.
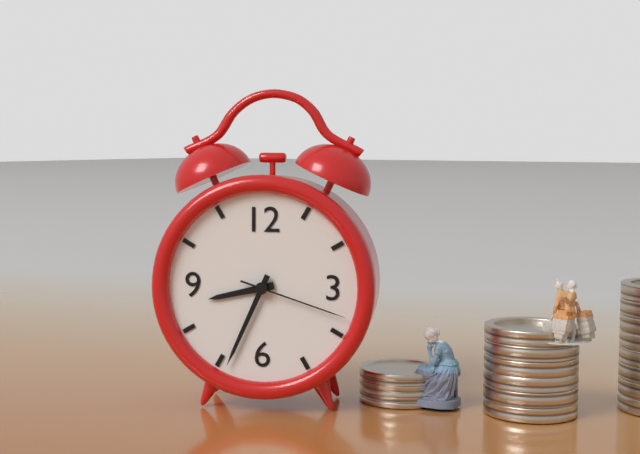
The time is {"hour": 8, "minute": 34, "second": 18}
